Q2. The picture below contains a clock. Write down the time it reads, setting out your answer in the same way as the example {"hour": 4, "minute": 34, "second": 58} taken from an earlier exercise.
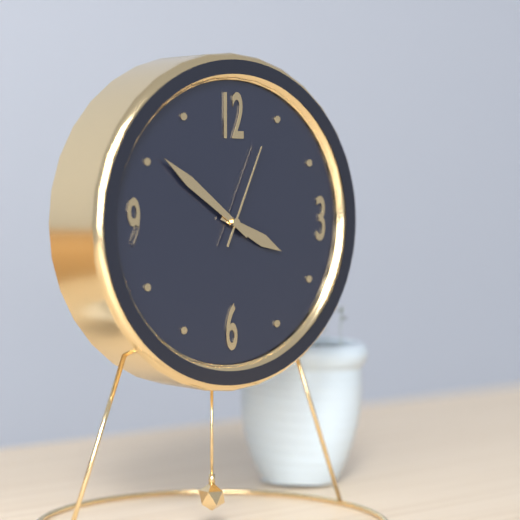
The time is {"hour": 3, "minute": 51, "second": 4}
